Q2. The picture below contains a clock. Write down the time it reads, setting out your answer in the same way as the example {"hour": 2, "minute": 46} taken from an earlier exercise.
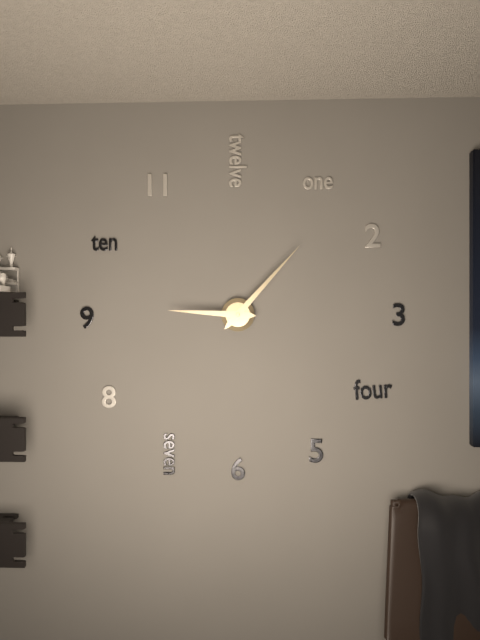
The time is {"hour": 9, "minute": 7}
